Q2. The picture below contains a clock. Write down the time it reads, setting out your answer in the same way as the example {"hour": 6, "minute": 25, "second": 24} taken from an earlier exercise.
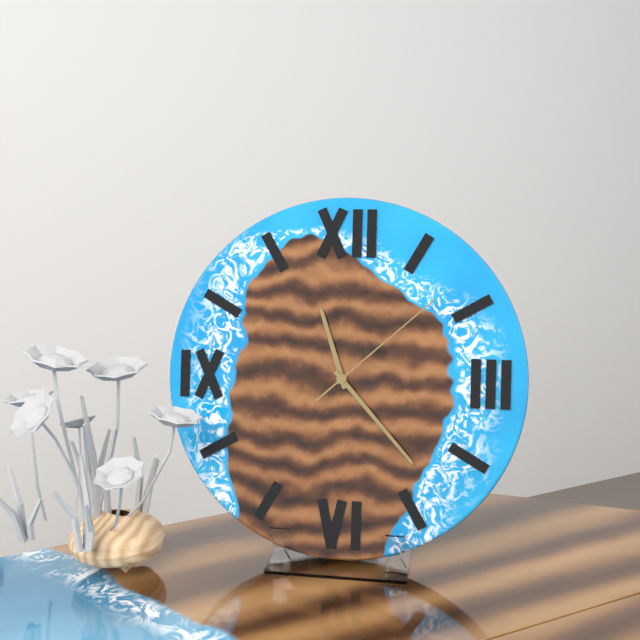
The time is {"hour": 11, "minute": 23, "second": 8}
